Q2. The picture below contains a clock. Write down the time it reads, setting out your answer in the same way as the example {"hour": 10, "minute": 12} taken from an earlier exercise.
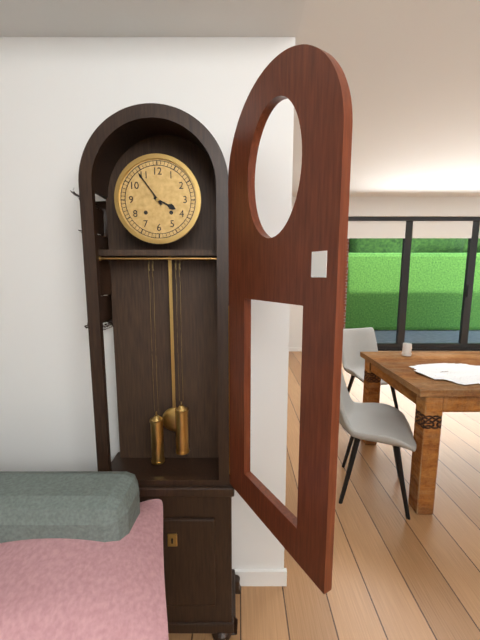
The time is {"hour": 3, "minute": 54}
